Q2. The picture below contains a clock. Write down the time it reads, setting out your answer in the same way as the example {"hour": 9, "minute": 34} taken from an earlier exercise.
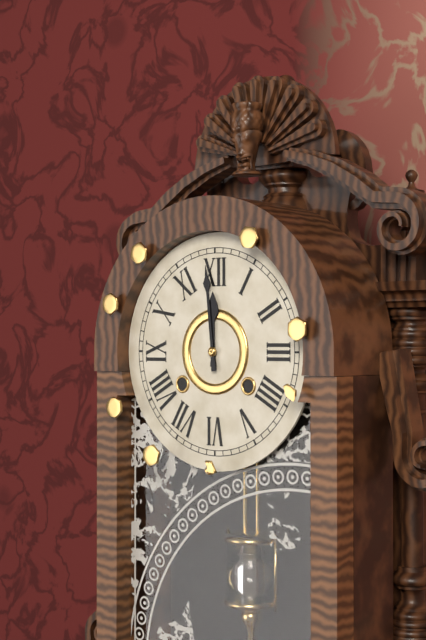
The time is {"hour": 11, "minute": 59}
